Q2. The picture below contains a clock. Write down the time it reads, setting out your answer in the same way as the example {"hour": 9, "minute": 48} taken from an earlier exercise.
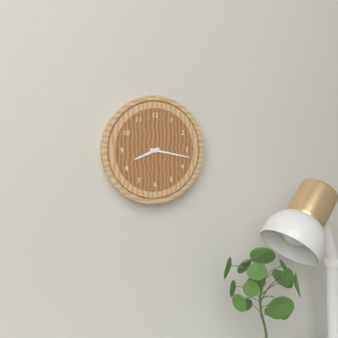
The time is {"hour": 8, "minute": 17}
